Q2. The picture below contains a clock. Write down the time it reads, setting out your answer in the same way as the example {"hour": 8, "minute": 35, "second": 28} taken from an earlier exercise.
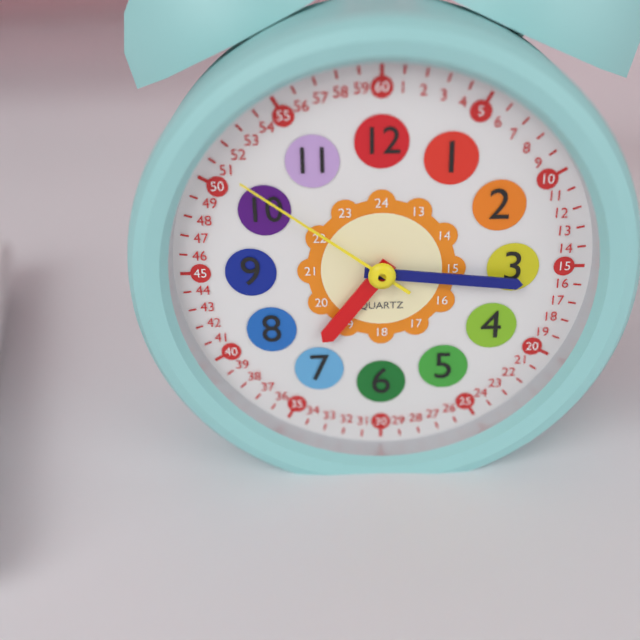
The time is {"hour": 7, "minute": 16, "second": 51}
